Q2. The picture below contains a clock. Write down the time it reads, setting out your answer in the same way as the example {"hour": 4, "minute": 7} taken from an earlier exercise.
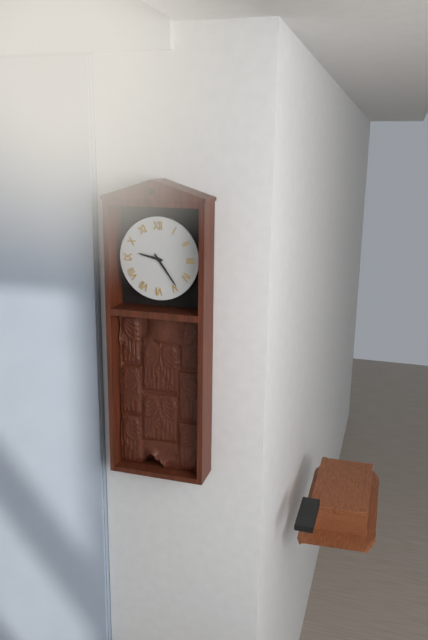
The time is {"hour": 9, "minute": 24}
